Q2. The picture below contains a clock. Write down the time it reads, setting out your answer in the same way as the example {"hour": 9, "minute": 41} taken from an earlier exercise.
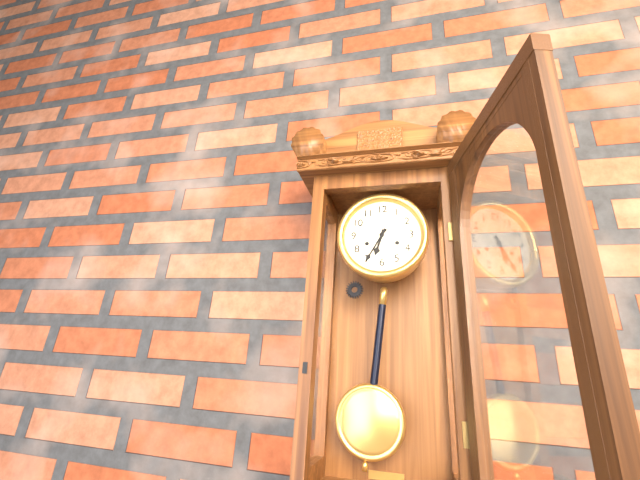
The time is {"hour": 6, "minute": 35}
